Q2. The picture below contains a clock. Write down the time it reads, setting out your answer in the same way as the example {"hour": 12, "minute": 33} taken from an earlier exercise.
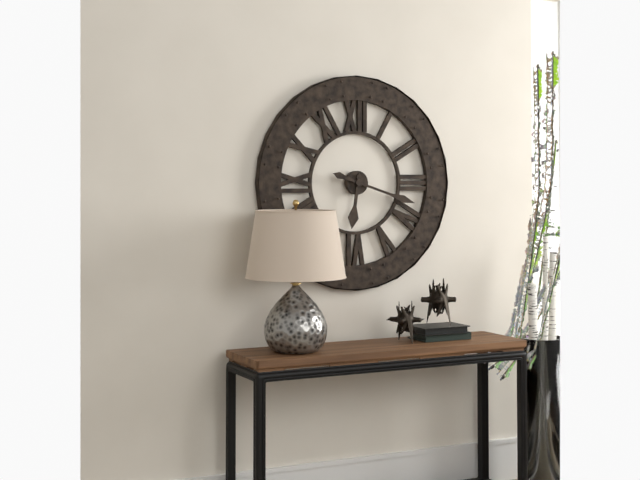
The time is {"hour": 6, "minute": 18}
